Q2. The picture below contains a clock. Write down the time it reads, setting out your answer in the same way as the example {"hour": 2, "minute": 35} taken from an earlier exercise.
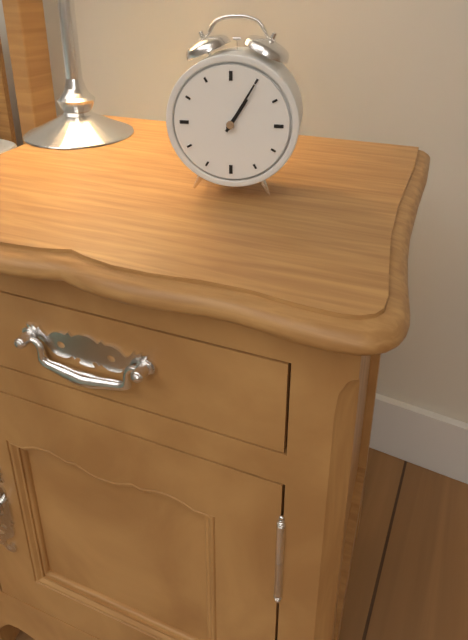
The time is {"hour": 1, "minute": 5}
